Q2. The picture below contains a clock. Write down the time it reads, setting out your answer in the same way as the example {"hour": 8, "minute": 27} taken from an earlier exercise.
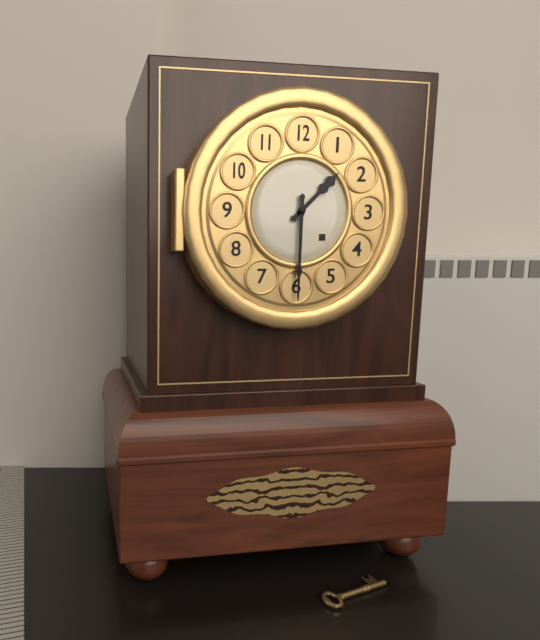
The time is {"hour": 1, "minute": 30}
